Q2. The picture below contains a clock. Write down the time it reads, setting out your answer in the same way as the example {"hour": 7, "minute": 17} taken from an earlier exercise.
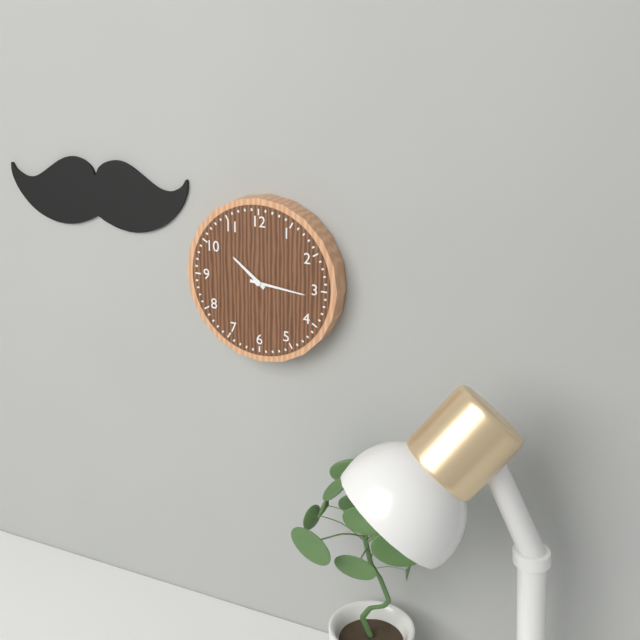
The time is {"hour": 10, "minute": 16}
